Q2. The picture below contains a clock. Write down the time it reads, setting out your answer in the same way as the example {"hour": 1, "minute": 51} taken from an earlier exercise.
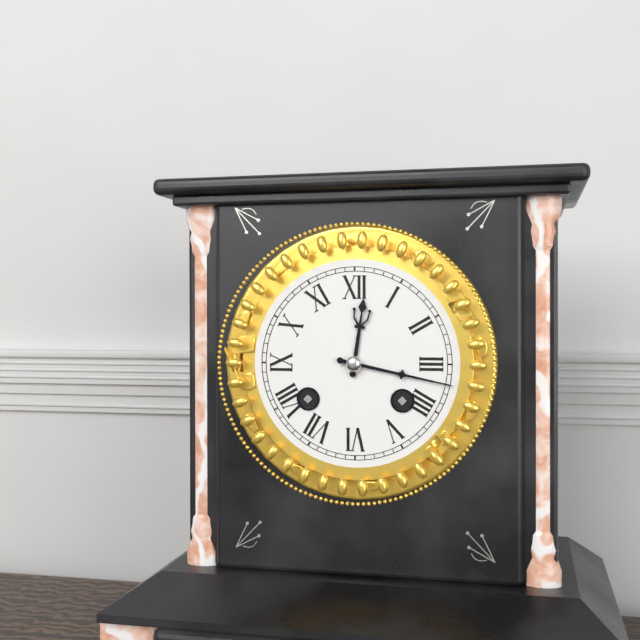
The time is {"hour": 12, "minute": 17}
